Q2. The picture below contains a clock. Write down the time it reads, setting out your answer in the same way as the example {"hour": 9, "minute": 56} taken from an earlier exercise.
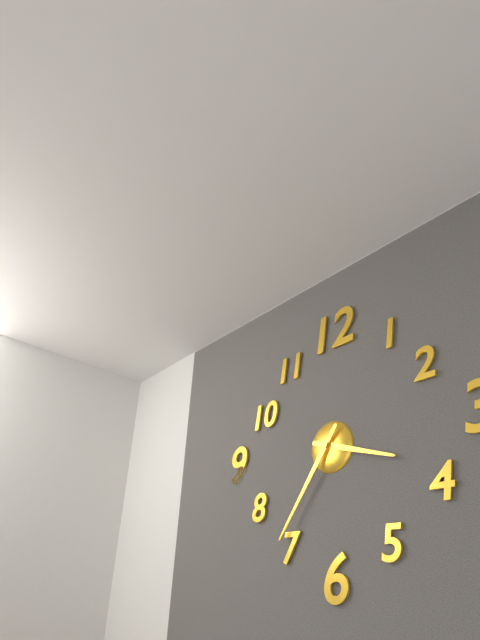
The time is {"hour": 3, "minute": 36}
